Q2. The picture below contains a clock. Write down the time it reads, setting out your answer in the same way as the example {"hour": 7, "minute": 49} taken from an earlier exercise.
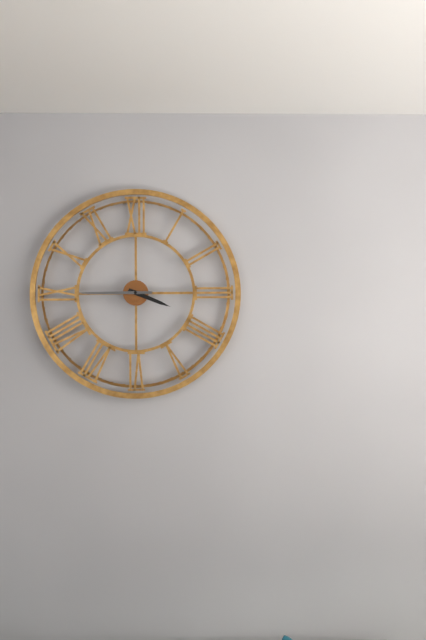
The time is {"hour": 3, "minute": 45}
